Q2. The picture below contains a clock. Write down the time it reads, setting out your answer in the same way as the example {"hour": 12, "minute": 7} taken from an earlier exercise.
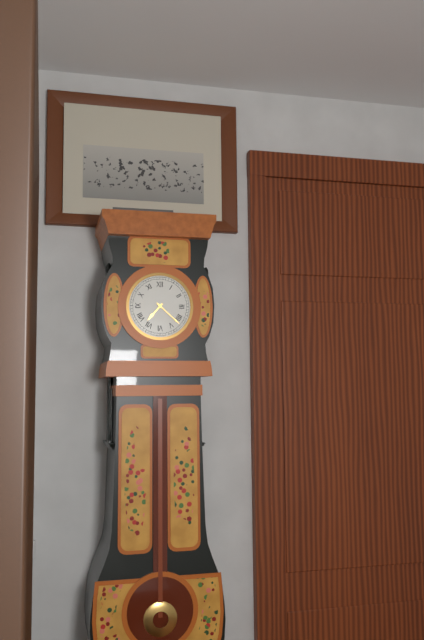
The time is {"hour": 7, "minute": 22}
